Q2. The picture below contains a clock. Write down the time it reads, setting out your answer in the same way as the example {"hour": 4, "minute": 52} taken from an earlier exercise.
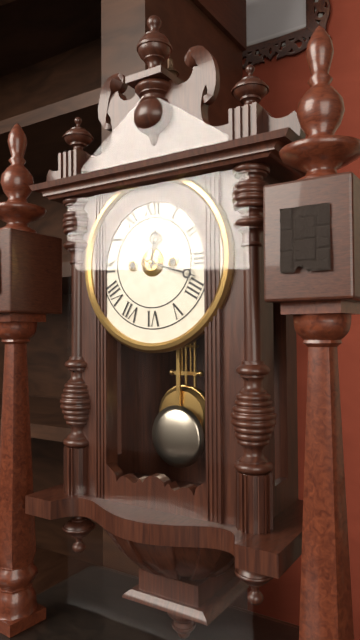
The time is {"hour": 12, "minute": 18}
